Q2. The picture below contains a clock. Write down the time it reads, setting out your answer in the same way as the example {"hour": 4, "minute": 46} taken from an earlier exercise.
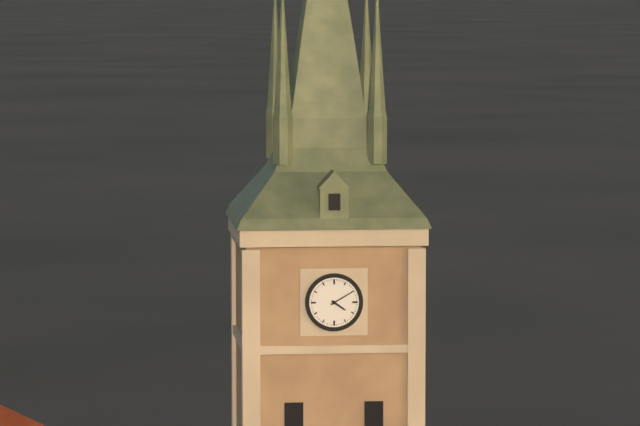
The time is {"hour": 4, "minute": 10}
